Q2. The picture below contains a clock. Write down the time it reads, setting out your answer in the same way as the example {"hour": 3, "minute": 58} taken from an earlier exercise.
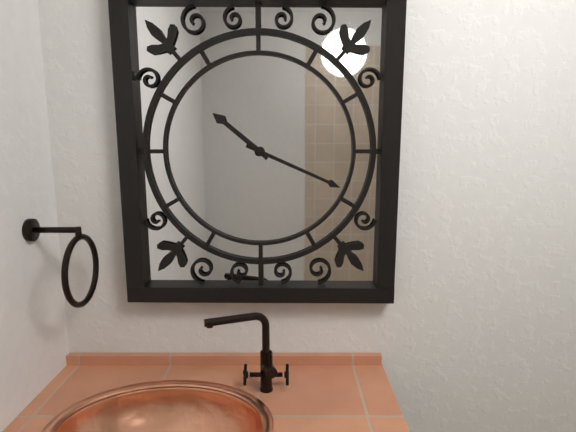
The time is {"hour": 10, "minute": 19}
